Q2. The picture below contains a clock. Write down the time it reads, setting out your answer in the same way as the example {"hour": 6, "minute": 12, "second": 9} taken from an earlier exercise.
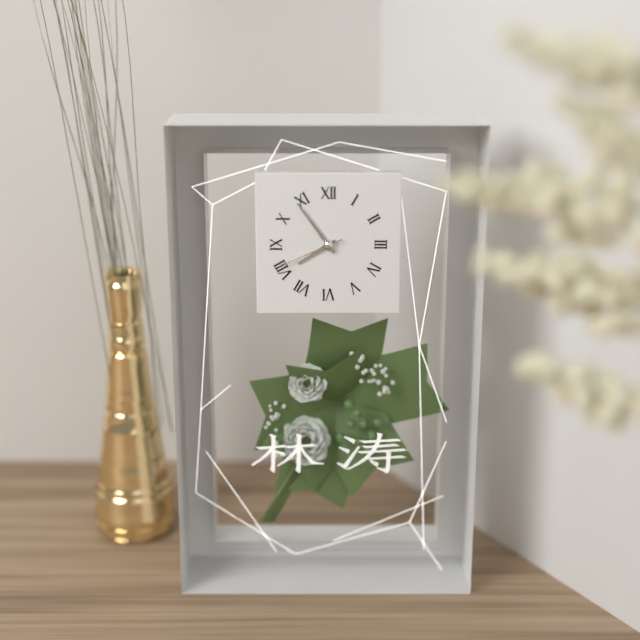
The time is {"hour": 7, "minute": 54, "second": 41}
